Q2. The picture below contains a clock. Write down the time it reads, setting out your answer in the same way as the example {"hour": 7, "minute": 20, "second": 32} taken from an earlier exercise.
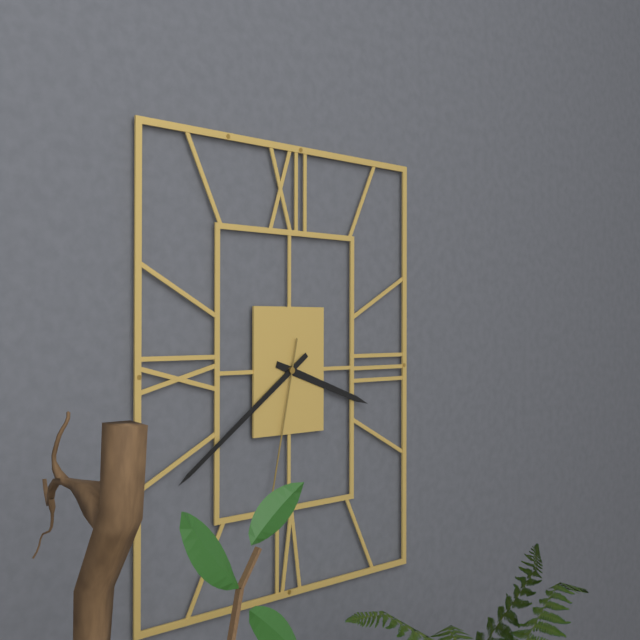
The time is {"hour": 3, "minute": 39, "second": 32}
